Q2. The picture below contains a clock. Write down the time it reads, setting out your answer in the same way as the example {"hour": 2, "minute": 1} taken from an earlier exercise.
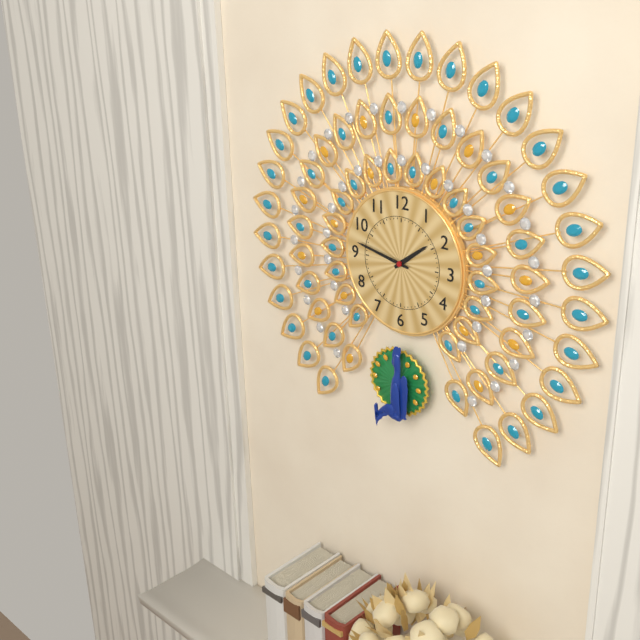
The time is {"hour": 1, "minute": 47}
